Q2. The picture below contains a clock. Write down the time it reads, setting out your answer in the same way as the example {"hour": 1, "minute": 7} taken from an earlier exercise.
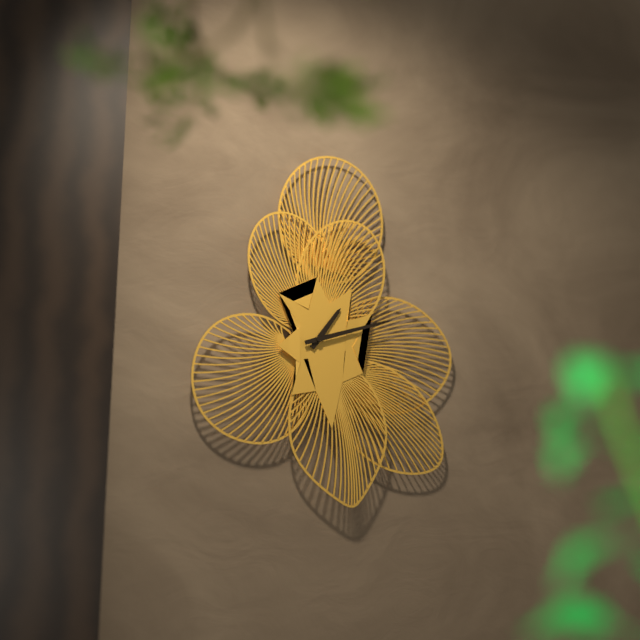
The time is {"hour": 1, "minute": 12}
